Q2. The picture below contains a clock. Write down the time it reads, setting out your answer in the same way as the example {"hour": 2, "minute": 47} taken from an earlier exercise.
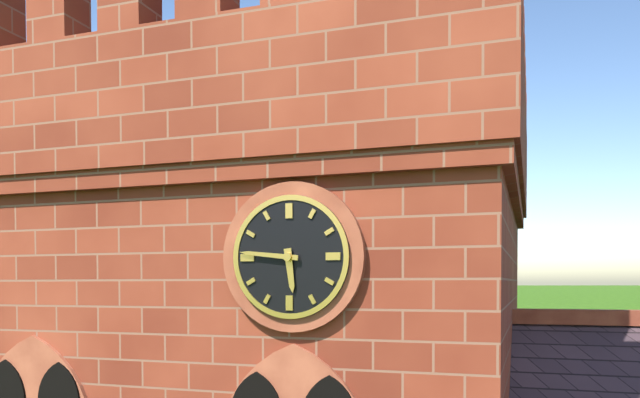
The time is {"hour": 5, "minute": 46}
